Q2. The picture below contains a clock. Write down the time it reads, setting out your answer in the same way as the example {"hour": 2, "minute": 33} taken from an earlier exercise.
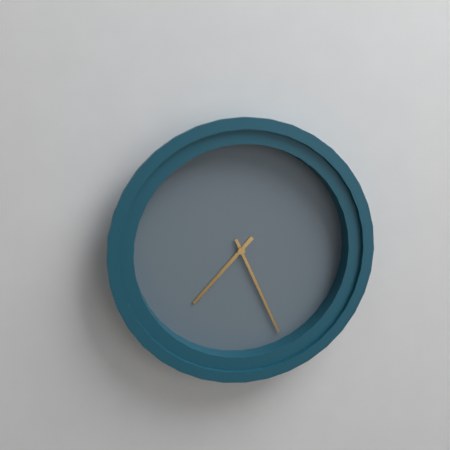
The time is {"hour": 7, "minute": 26}
